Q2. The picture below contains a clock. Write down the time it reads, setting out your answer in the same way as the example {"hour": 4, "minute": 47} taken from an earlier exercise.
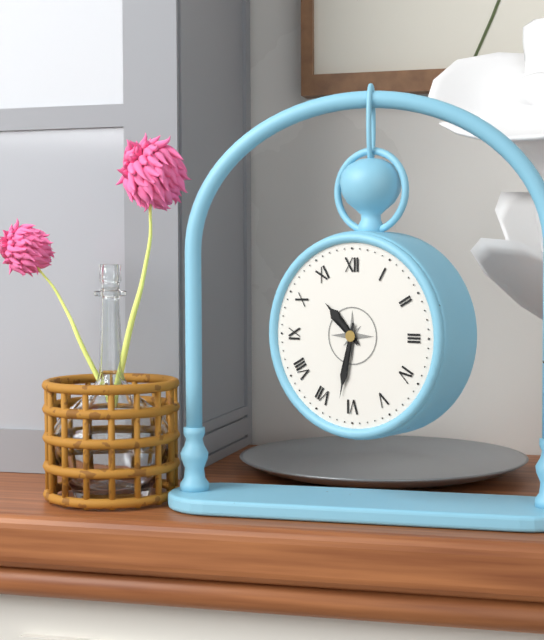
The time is {"hour": 10, "minute": 32}
